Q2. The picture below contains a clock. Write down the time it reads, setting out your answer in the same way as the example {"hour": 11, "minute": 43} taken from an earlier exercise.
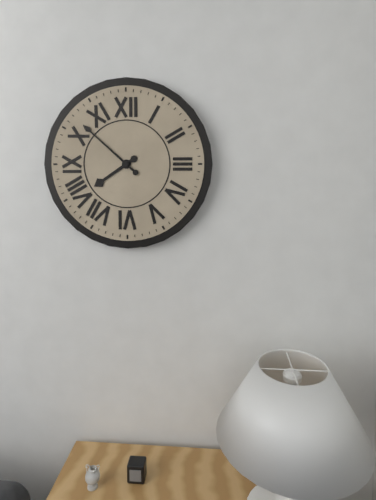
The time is {"hour": 7, "minute": 52}
